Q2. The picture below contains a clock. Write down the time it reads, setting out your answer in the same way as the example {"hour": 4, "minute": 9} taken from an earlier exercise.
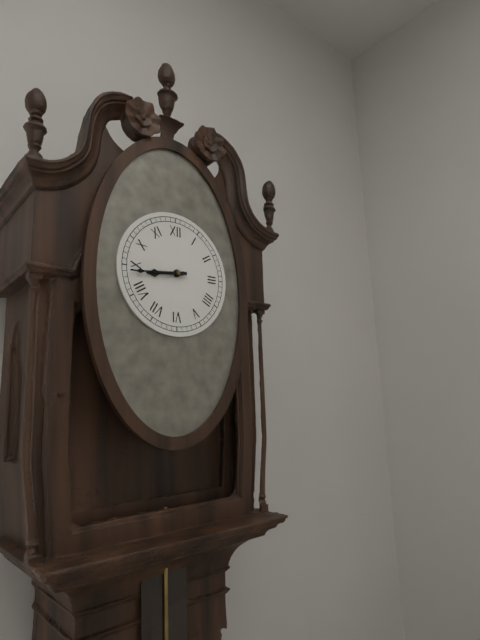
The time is {"hour": 8, "minute": 44}
